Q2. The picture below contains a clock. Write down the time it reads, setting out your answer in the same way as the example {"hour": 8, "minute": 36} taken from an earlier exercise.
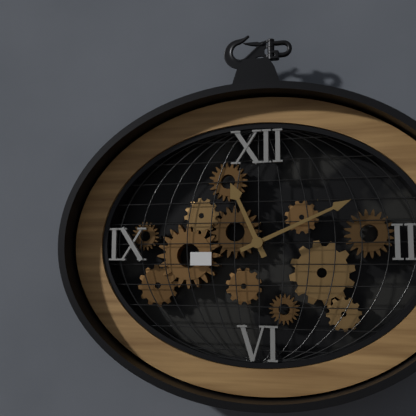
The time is {"hour": 11, "minute": 11}
